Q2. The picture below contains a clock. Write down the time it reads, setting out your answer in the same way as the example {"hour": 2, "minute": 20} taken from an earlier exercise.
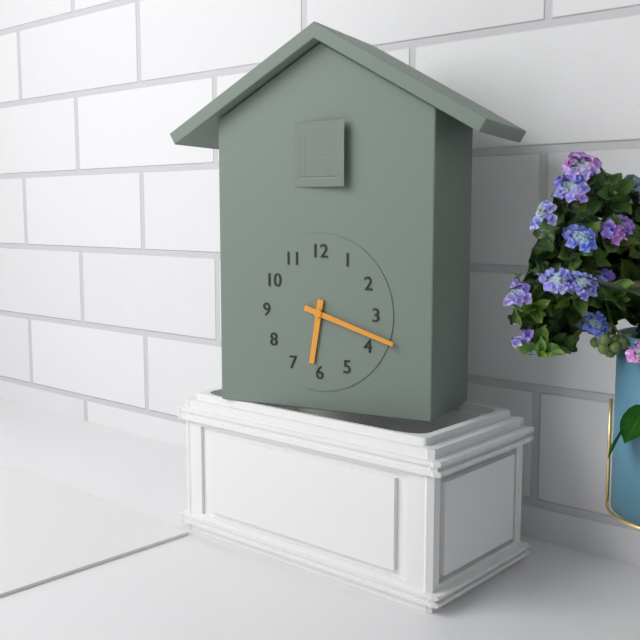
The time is {"hour": 6, "minute": 18}
